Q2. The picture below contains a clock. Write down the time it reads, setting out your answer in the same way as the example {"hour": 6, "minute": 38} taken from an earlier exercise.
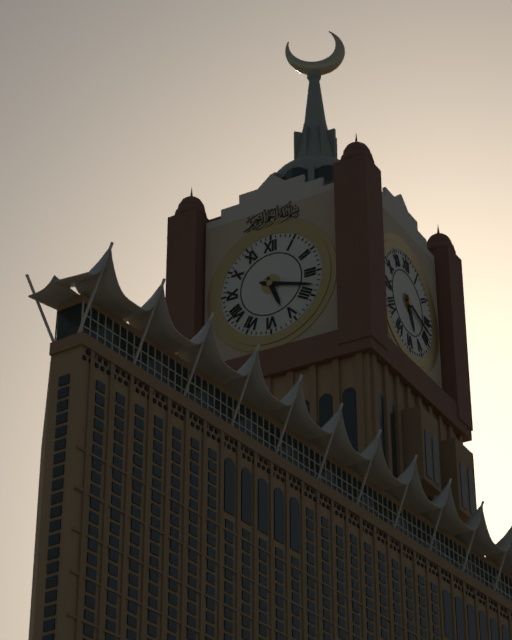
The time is {"hour": 5, "minute": 18}
